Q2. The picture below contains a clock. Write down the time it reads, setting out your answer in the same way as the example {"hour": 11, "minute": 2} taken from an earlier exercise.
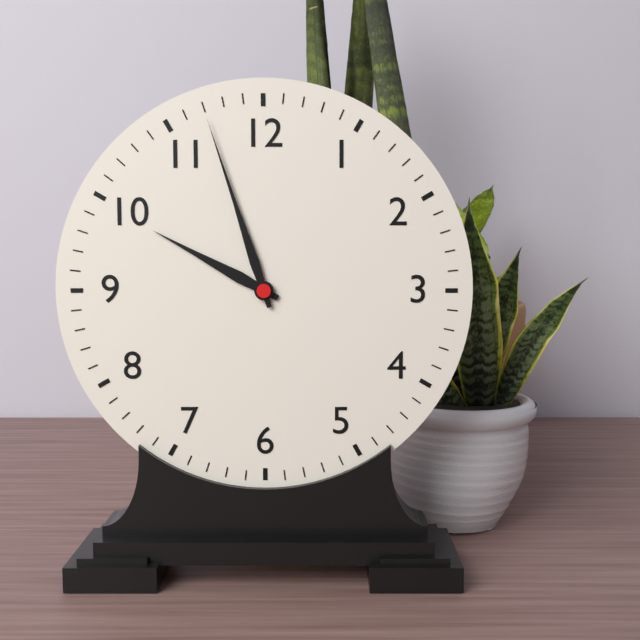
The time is {"hour": 9, "minute": 57}
